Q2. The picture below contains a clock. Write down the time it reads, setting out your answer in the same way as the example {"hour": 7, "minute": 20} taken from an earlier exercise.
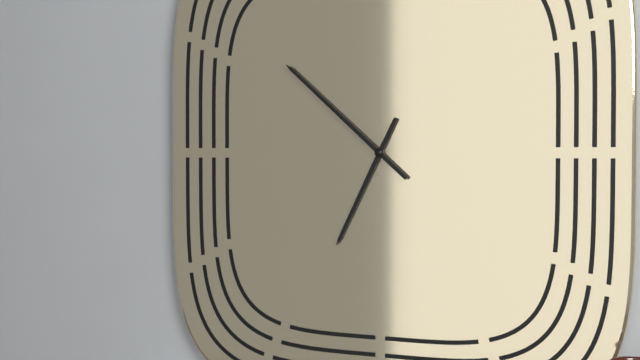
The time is {"hour": 6, "minute": 52}
